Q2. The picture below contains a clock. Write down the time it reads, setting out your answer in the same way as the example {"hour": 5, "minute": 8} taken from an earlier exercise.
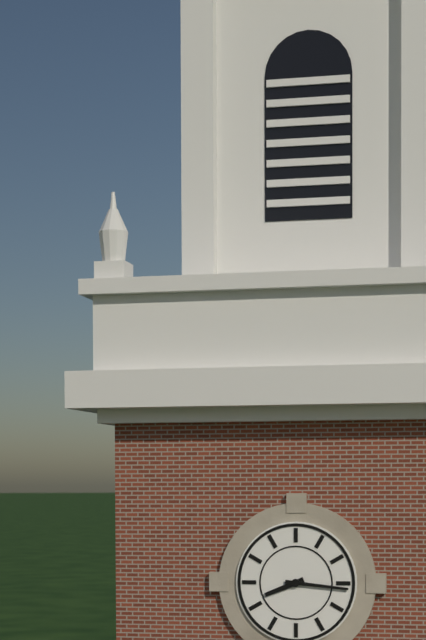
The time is {"hour": 8, "minute": 16}
